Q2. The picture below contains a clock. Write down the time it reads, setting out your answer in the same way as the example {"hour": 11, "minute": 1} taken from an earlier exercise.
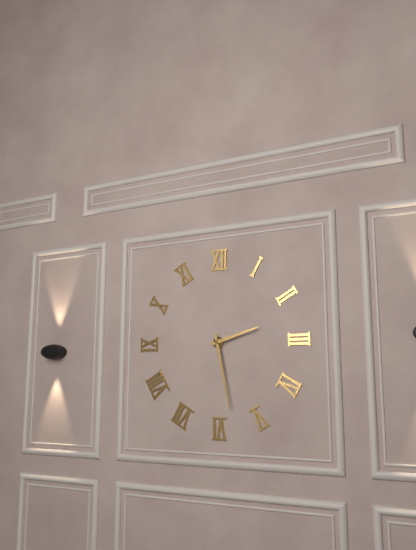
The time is {"hour": 2, "minute": 28}
